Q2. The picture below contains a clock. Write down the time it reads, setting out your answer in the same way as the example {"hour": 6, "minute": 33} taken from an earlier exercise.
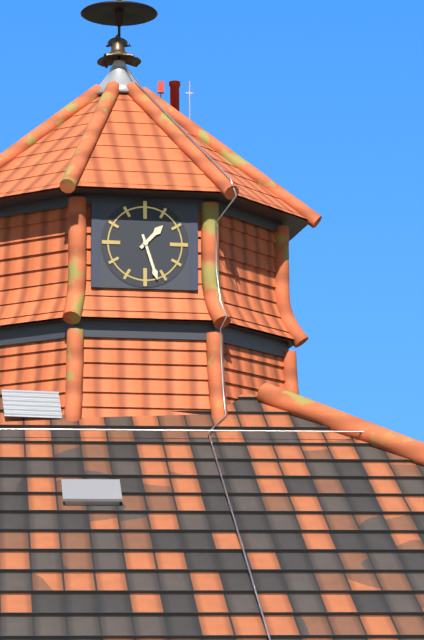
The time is {"hour": 1, "minute": 27}
